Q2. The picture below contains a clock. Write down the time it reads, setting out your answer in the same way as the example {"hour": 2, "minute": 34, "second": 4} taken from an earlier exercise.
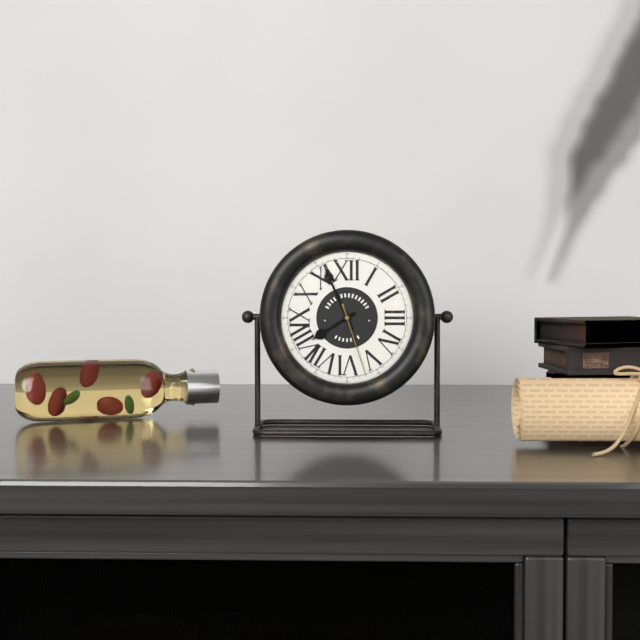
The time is {"hour": 7, "minute": 56, "second": 27}
